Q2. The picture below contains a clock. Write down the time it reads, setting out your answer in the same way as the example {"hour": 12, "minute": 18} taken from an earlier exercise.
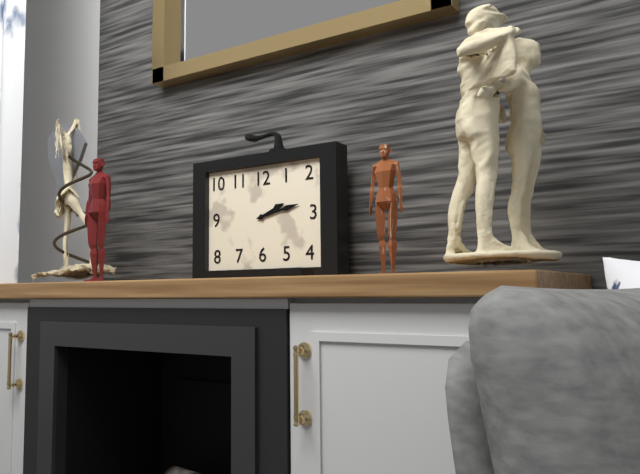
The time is {"hour": 2, "minute": 13}
